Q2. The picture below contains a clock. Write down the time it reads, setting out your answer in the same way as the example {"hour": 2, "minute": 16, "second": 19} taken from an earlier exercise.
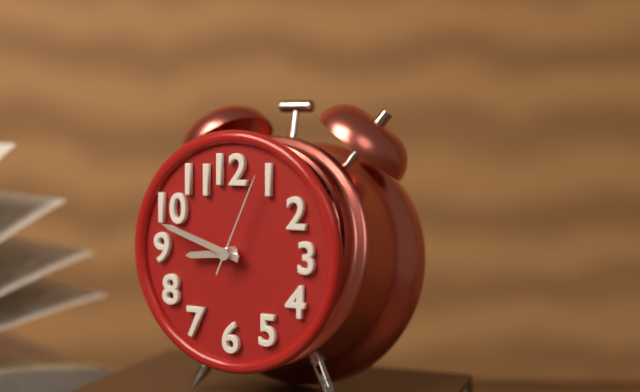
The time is {"hour": 8, "minute": 48, "second": 4}
